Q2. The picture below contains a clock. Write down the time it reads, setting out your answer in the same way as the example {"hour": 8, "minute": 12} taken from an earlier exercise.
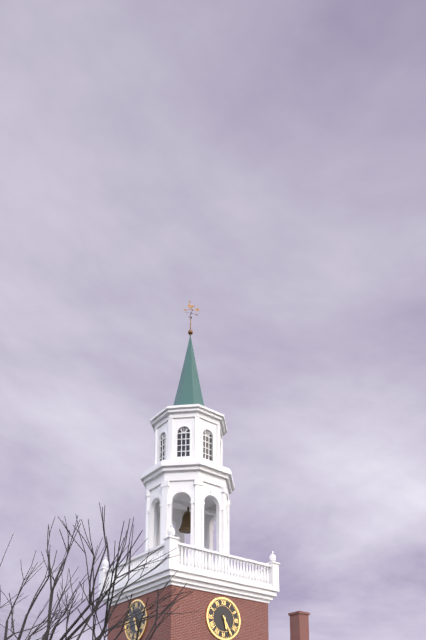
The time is {"hour": 5, "minute": 25}
